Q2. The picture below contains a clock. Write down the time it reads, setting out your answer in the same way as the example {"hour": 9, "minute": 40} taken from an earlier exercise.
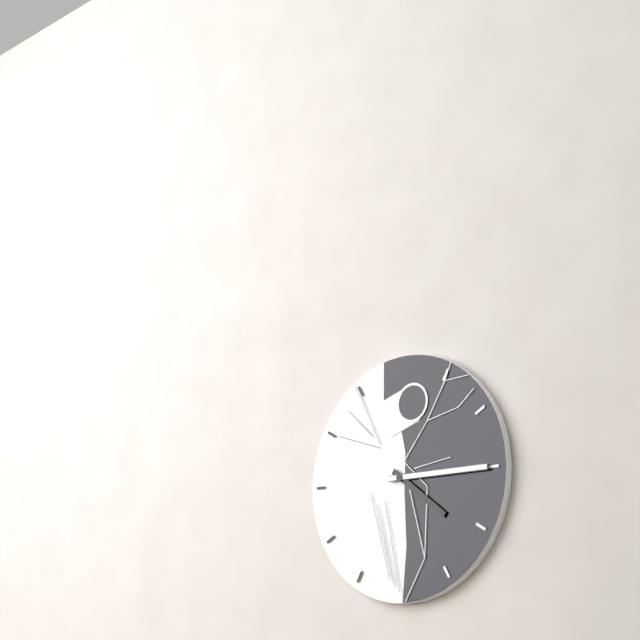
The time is {"hour": 4, "minute": 15}
